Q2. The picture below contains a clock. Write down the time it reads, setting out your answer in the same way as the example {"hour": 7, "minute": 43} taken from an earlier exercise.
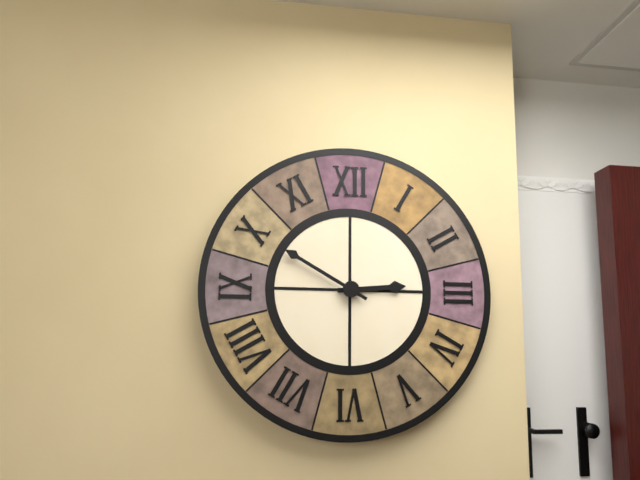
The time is {"hour": 2, "minute": 50}
